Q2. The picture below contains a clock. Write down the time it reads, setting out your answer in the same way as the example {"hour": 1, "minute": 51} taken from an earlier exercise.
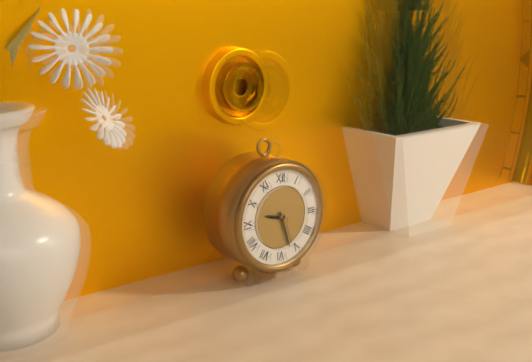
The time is {"hour": 9, "minute": 27}
